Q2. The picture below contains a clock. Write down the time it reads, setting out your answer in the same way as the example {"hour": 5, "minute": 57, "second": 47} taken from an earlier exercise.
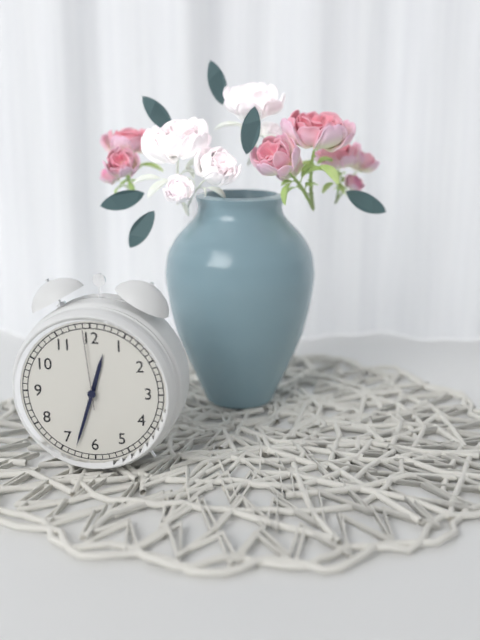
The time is {"hour": 12, "minute": 33, "second": 59}
